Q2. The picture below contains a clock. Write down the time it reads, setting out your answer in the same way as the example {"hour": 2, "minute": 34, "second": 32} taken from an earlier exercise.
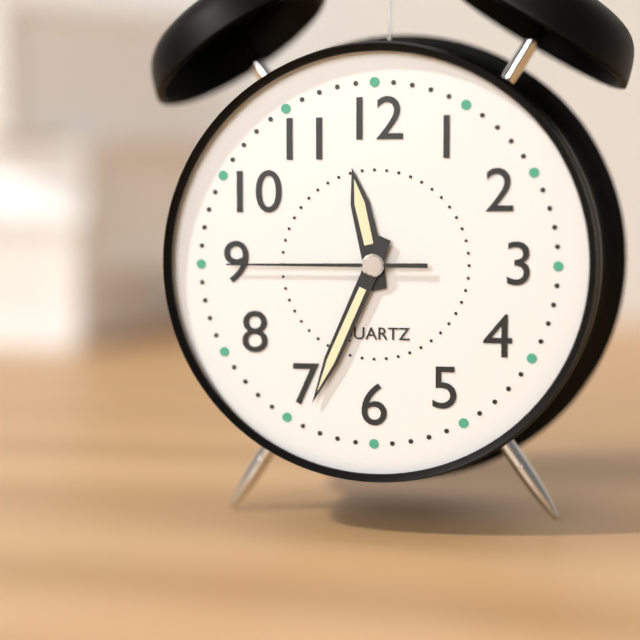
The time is {"hour": 11, "minute": 34, "second": 45}
